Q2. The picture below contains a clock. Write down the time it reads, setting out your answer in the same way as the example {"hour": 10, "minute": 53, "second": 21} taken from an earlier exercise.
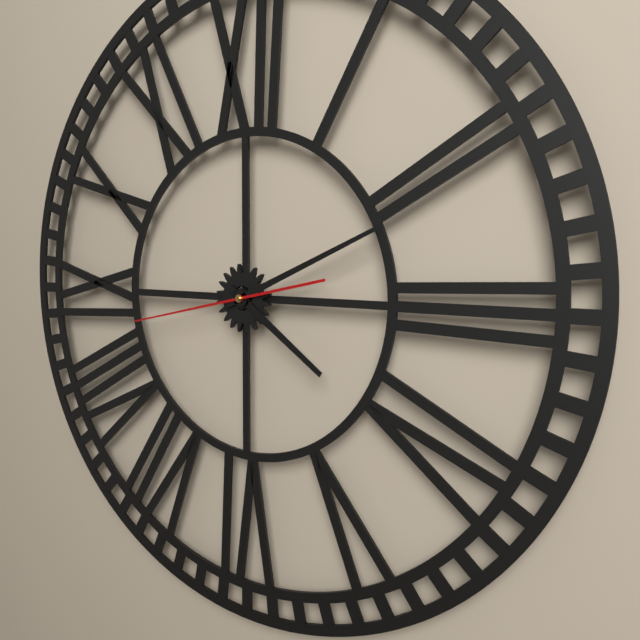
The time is {"hour": 4, "minute": 11, "second": 43}
